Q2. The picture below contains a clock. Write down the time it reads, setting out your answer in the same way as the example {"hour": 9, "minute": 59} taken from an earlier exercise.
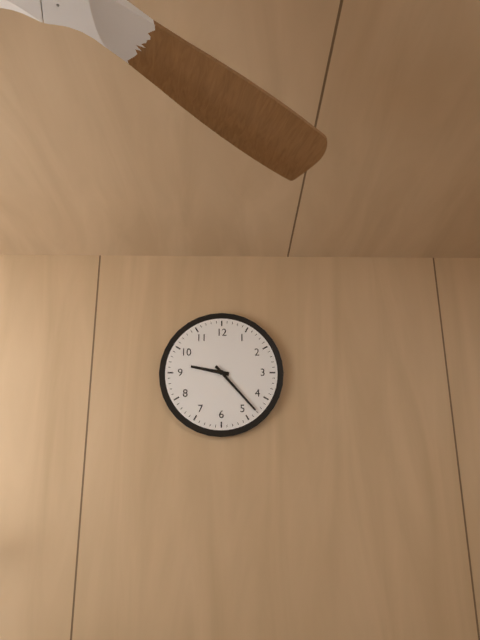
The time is {"hour": 9, "minute": 23}
